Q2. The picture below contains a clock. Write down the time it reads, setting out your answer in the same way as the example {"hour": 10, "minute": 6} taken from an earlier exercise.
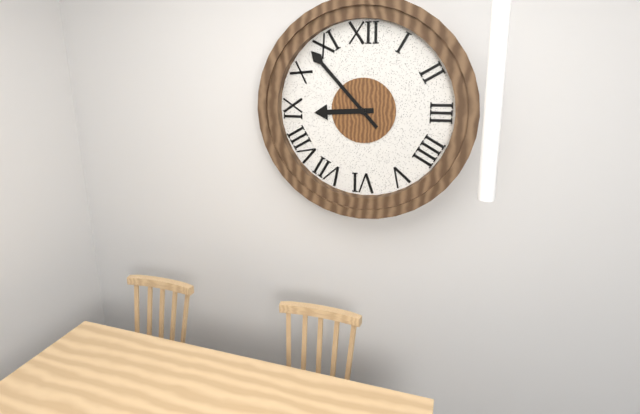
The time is {"hour": 8, "minute": 53}
